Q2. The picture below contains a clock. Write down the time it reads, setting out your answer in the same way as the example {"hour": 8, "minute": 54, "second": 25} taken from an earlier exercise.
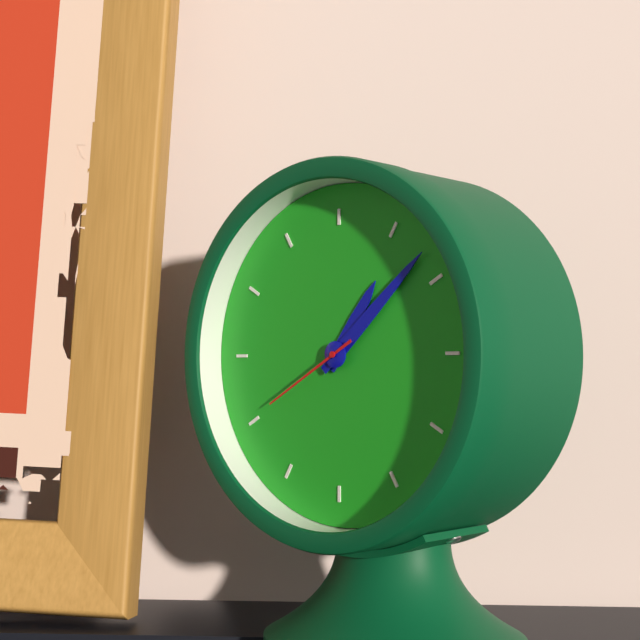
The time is {"hour": 1, "minute": 8, "second": 40}
